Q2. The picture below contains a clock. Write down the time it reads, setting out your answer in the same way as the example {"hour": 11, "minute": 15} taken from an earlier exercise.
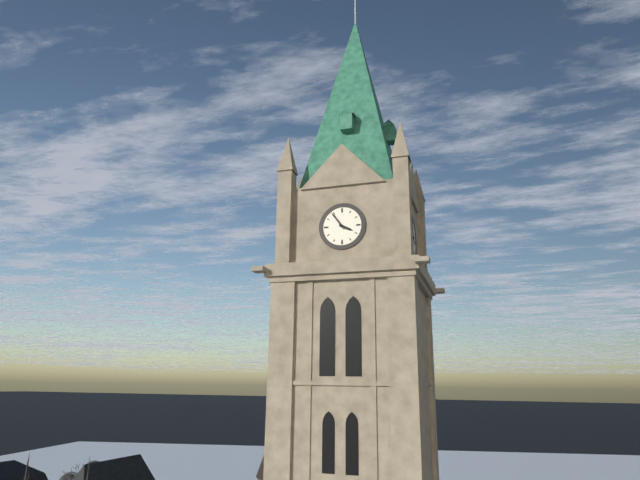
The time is {"hour": 3, "minute": 54}
